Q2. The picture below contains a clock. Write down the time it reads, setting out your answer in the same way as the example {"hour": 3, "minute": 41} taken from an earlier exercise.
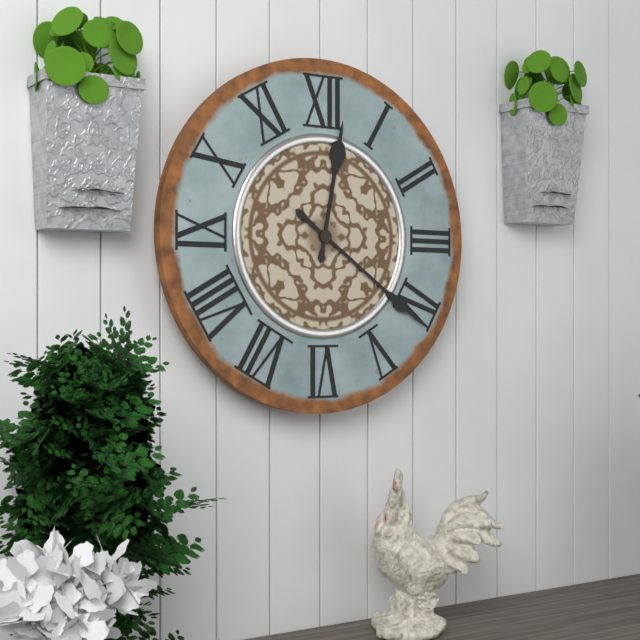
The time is {"hour": 12, "minute": 21}
